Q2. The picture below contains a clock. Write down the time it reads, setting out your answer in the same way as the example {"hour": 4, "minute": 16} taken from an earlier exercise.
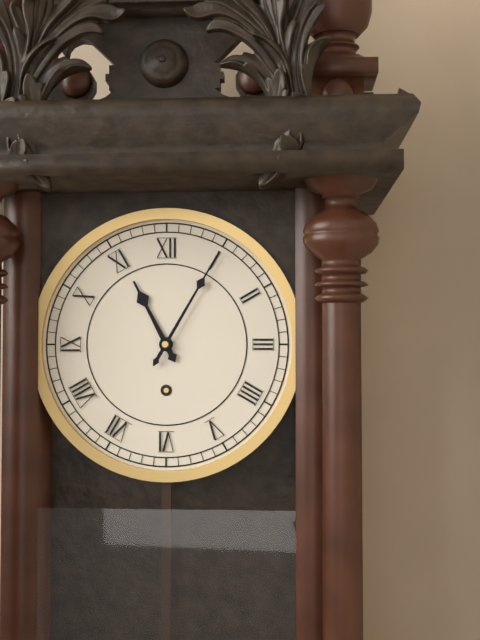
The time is {"hour": 11, "minute": 5}
